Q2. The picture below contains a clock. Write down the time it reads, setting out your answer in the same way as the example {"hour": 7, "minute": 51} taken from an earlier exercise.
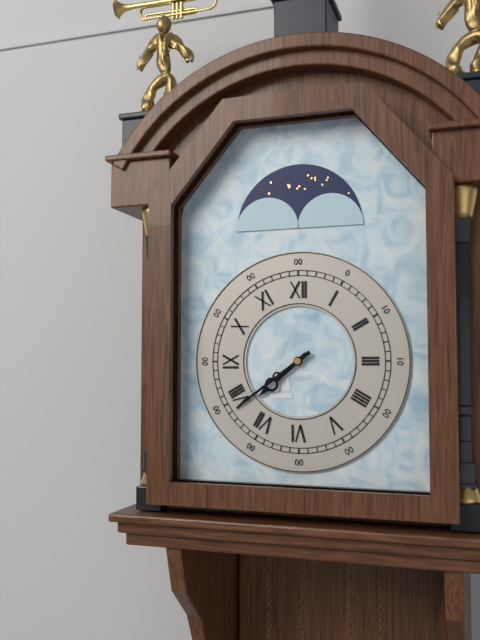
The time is {"hour": 7, "minute": 39}
